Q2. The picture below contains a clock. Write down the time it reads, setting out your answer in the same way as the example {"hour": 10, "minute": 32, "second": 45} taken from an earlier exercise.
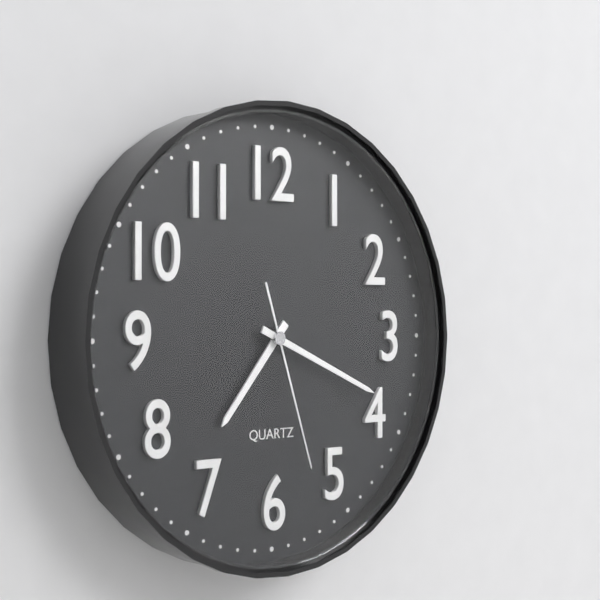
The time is {"hour": 7, "minute": 19, "second": 27}
